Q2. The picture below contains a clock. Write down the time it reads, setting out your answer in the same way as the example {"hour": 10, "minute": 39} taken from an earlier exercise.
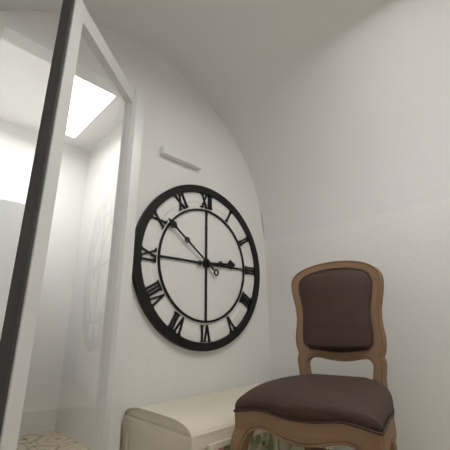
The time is {"hour": 2, "minute": 51}
